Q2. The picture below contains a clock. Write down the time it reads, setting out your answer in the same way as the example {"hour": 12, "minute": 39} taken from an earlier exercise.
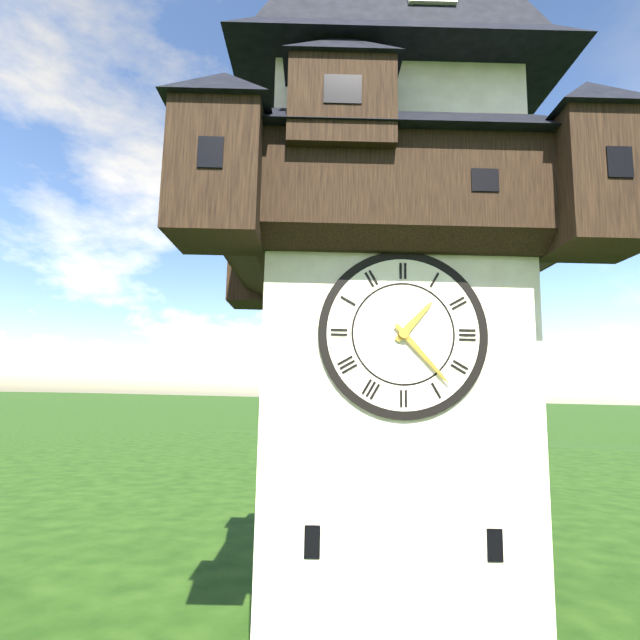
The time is {"hour": 1, "minute": 23}
